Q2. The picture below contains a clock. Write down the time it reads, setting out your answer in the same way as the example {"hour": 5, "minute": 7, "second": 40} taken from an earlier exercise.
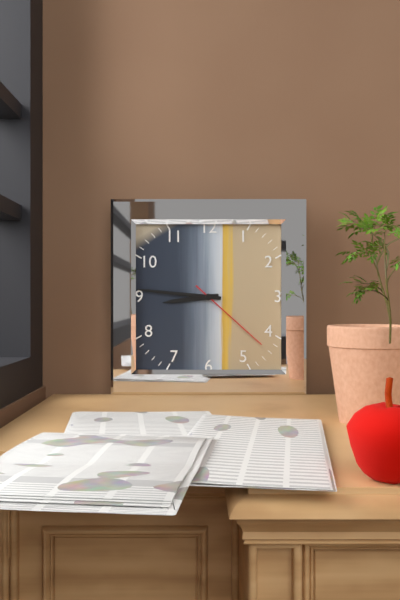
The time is {"hour": 8, "minute": 46, "second": 22}
